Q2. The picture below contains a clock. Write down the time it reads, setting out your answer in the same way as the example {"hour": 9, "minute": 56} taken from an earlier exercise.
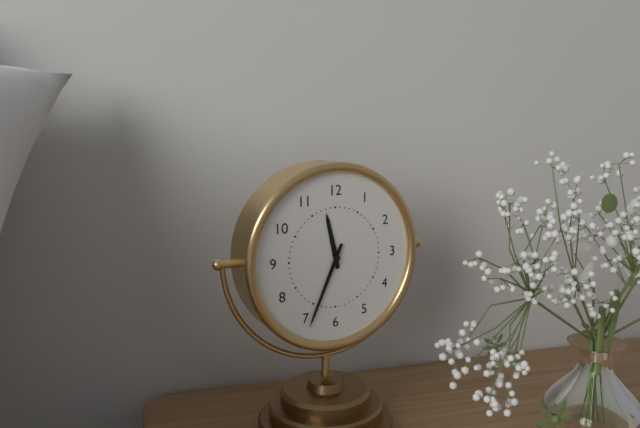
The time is {"hour": 11, "minute": 34}
